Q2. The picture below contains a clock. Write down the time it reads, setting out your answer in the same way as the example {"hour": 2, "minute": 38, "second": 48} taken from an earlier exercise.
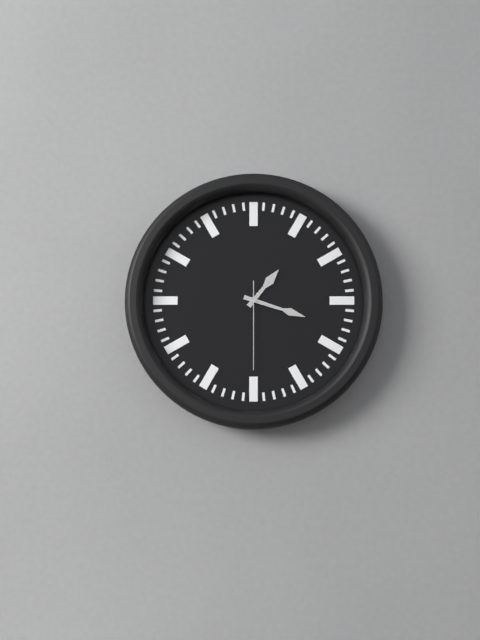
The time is {"hour": 1, "minute": 18, "second": 30}
